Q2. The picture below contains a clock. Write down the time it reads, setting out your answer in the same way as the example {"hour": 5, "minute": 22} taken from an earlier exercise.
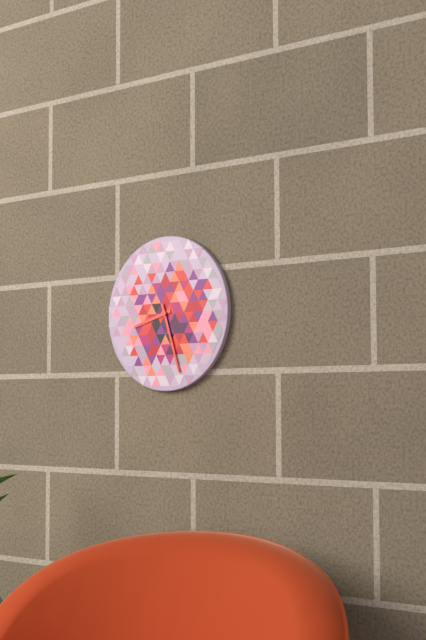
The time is {"hour": 8, "minute": 27}
